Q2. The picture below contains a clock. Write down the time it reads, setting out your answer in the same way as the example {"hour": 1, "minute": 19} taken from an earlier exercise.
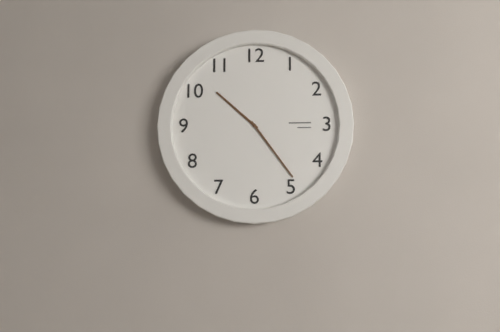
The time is {"hour": 10, "minute": 24}
